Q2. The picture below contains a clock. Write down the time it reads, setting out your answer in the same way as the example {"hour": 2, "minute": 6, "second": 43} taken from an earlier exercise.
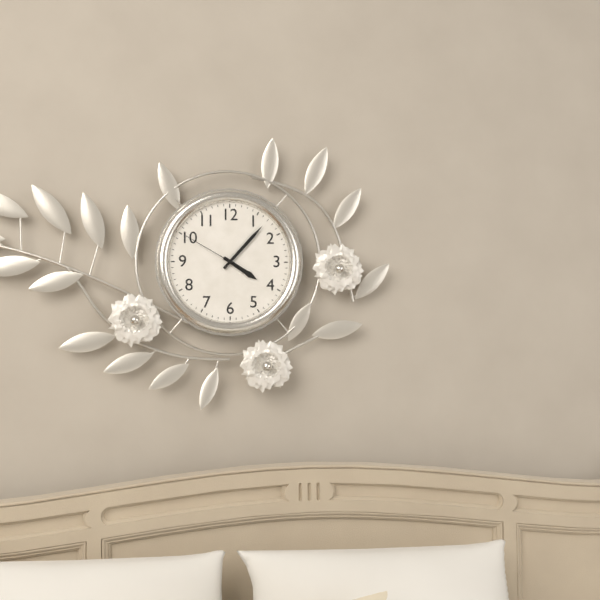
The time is {"hour": 4, "minute": 7, "second": 50}
